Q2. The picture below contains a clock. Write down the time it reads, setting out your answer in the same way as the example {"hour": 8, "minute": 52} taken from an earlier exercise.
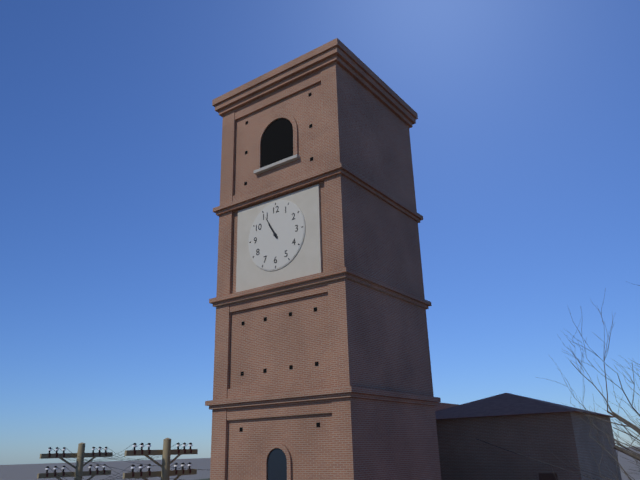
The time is {"hour": 10, "minute": 55}
